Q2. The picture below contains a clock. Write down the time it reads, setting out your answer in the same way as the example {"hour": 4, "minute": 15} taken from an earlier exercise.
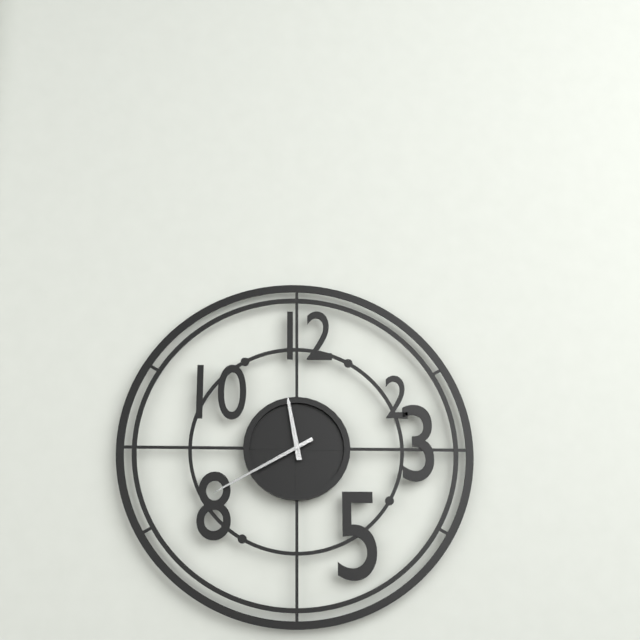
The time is {"hour": 11, "minute": 40}
